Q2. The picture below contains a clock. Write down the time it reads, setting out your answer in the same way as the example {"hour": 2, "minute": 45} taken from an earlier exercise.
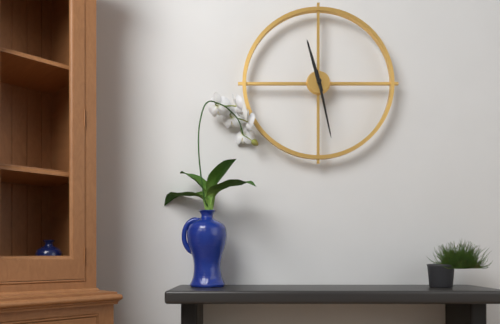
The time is {"hour": 11, "minute": 28}
